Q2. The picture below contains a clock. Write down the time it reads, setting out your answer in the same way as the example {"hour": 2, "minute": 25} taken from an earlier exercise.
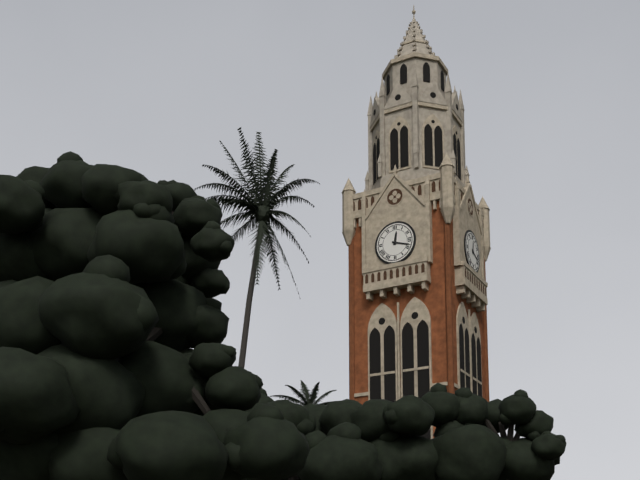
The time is {"hour": 12, "minute": 18}
